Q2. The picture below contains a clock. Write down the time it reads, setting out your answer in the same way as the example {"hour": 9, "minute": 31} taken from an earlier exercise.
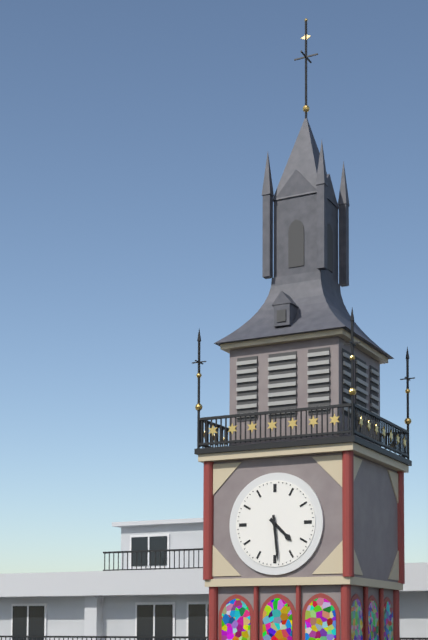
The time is {"hour": 4, "minute": 29}
